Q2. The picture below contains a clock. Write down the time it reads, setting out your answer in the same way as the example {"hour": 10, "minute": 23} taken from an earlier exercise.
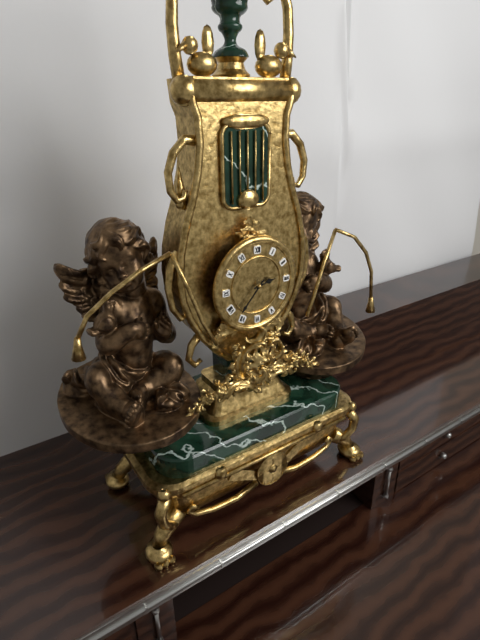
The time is {"hour": 2, "minute": 37}
